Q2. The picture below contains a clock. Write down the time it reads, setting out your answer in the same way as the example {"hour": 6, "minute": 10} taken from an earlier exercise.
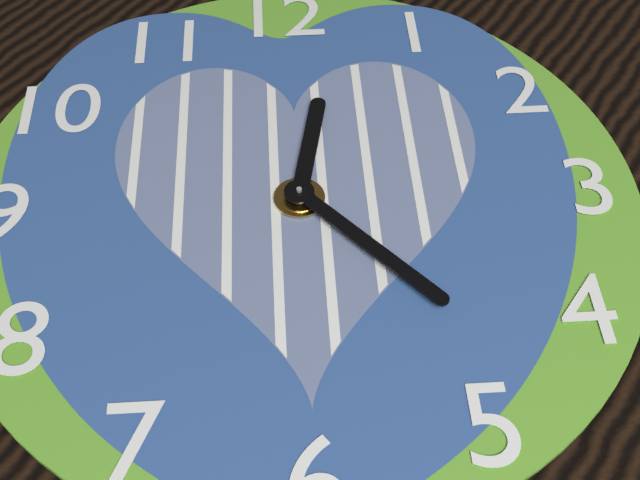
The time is {"hour": 12, "minute": 23}
